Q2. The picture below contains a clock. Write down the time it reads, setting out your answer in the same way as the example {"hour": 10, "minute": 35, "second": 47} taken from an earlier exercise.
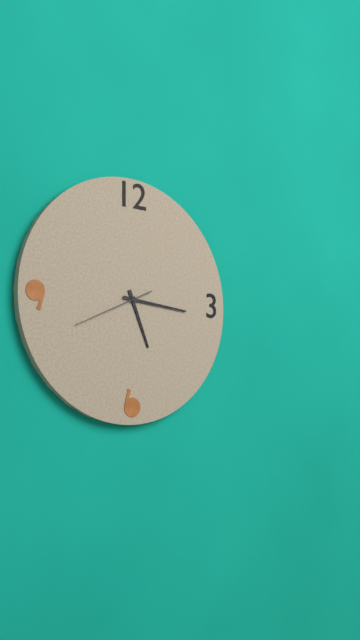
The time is {"hour": 5, "minute": 16, "second": 41}
